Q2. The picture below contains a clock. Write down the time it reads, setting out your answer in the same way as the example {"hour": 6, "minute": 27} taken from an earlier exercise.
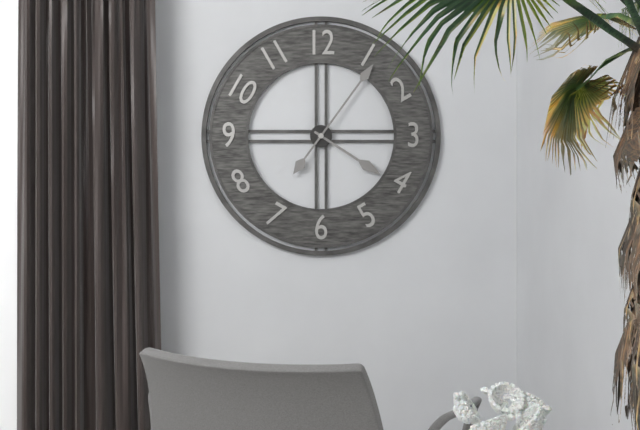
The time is {"hour": 4, "minute": 6}
